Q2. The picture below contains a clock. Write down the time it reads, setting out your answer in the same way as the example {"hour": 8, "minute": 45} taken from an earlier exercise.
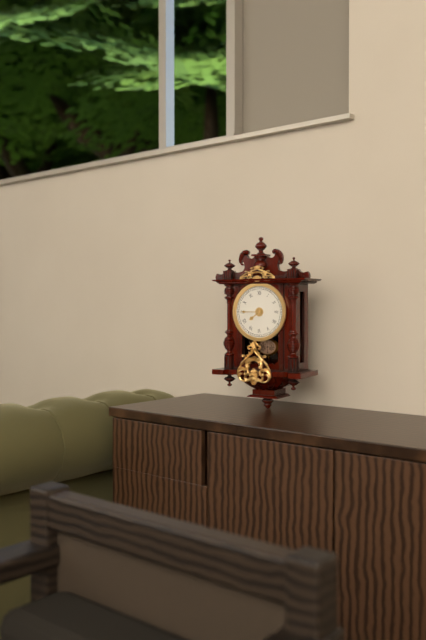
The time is {"hour": 7, "minute": 45}
